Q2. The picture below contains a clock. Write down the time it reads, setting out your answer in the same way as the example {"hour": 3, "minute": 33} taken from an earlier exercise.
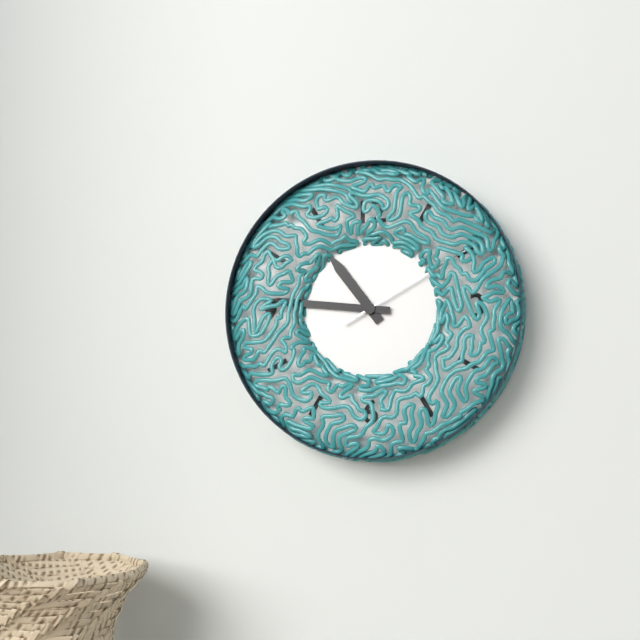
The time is {"hour": 10, "minute": 46}
